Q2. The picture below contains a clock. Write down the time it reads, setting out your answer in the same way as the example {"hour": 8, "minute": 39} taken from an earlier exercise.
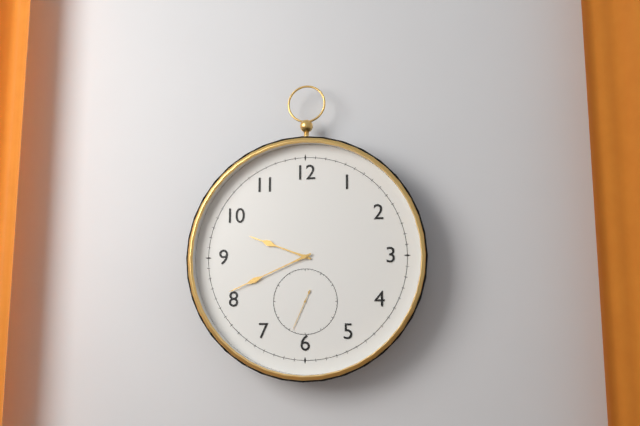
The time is {"hour": 9, "minute": 41}
